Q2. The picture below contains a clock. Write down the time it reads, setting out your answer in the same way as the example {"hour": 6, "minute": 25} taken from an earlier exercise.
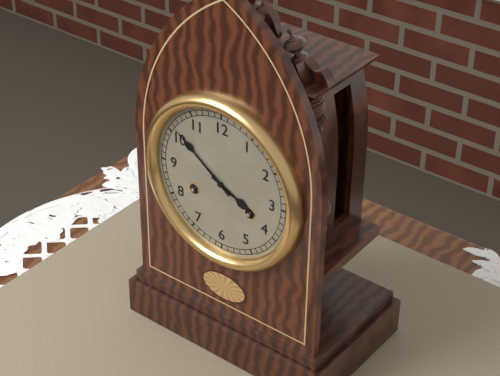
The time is {"hour": 3, "minute": 51}
